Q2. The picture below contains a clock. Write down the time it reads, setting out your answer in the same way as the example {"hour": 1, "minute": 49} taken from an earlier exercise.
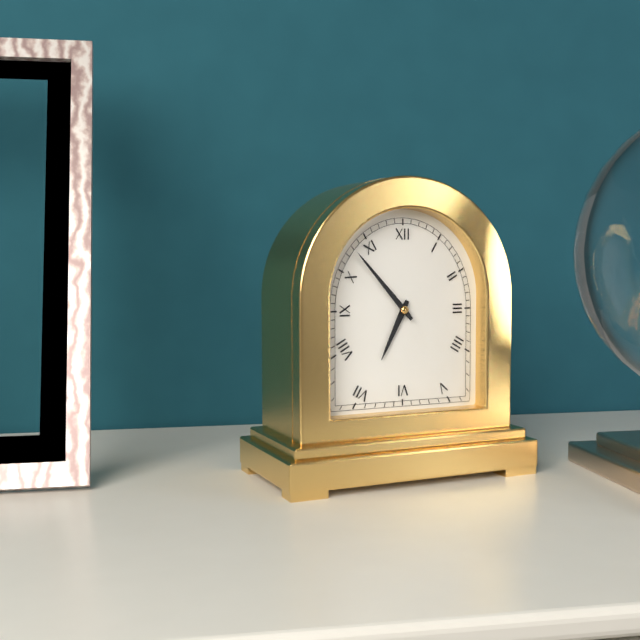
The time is {"hour": 6, "minute": 53}
